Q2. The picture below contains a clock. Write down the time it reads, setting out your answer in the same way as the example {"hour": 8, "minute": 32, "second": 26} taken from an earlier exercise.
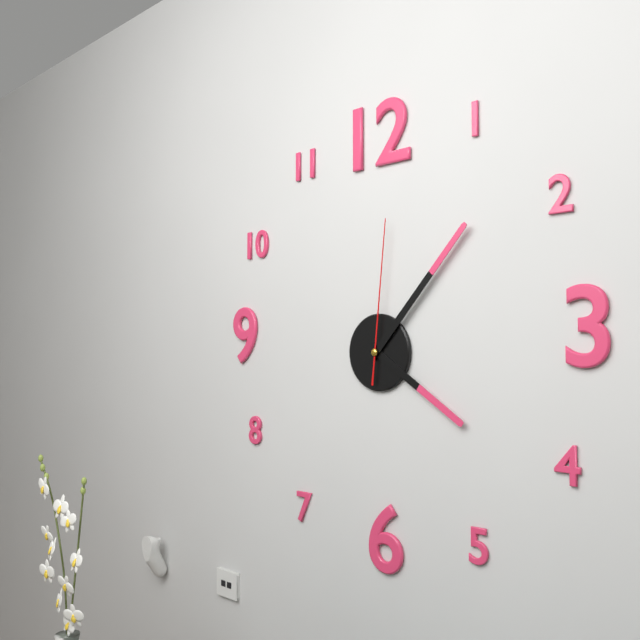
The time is {"hour": 4, "minute": 7, "second": 1}
